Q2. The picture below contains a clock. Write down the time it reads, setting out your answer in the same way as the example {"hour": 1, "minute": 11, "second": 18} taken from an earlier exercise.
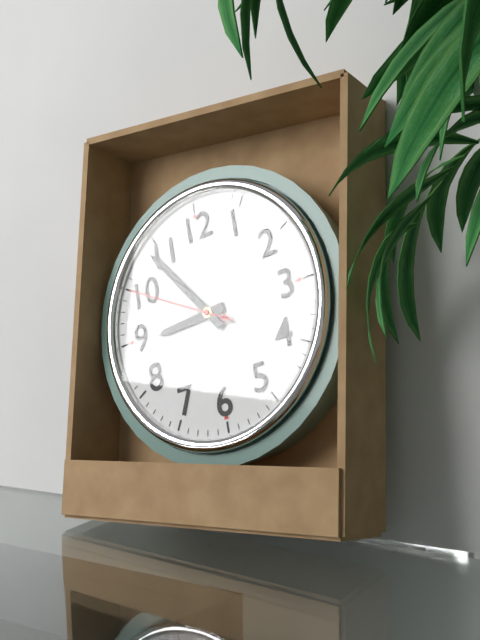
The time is {"hour": 8, "minute": 54, "second": 50}
